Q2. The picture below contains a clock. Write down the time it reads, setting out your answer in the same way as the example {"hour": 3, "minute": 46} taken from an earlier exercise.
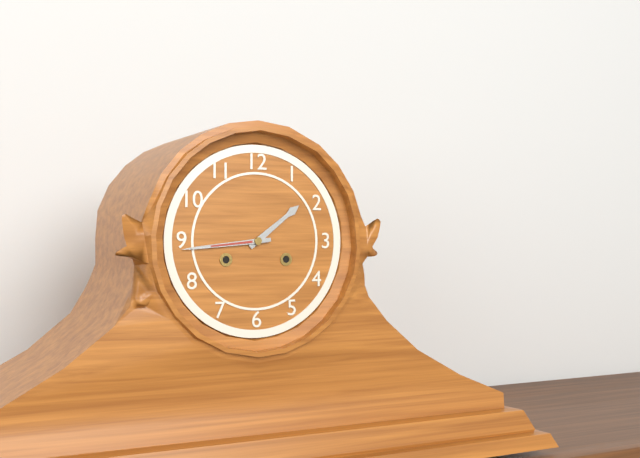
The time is {"hour": 1, "minute": 44}
